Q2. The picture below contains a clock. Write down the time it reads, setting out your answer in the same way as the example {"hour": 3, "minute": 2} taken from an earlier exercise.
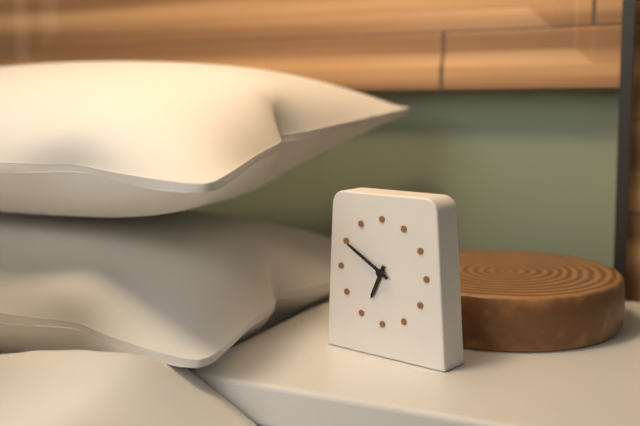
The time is {"hour": 6, "minute": 50}
